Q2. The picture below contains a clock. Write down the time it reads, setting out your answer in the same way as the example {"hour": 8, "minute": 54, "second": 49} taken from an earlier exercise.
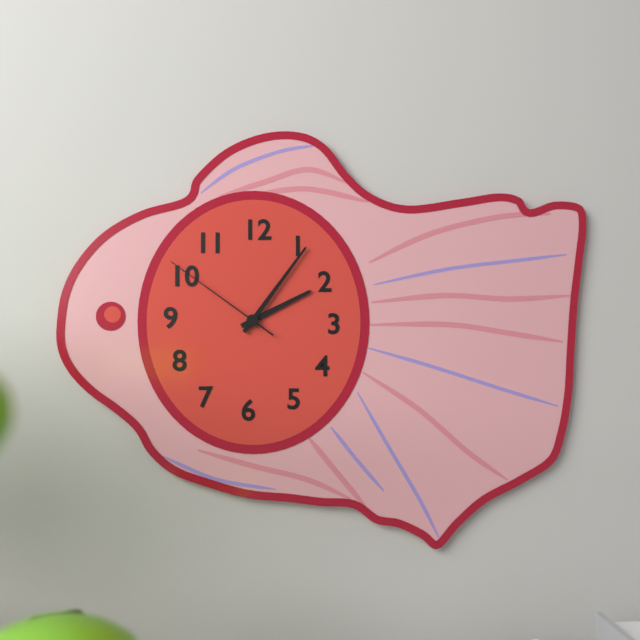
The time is {"hour": 2, "minute": 6, "second": 51}
